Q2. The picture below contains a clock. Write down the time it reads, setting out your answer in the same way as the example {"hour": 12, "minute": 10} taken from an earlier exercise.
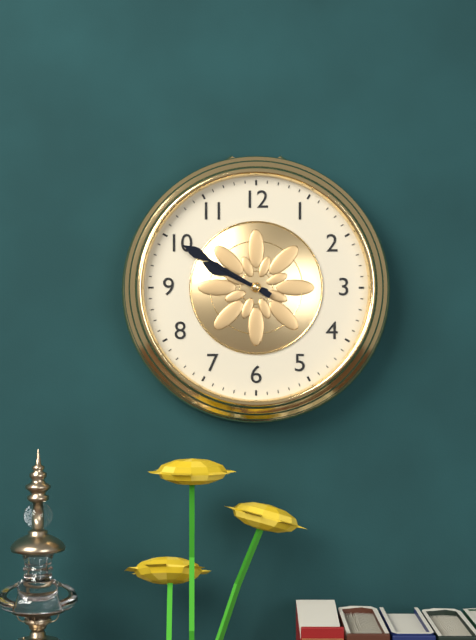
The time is {"hour": 9, "minute": 50}
